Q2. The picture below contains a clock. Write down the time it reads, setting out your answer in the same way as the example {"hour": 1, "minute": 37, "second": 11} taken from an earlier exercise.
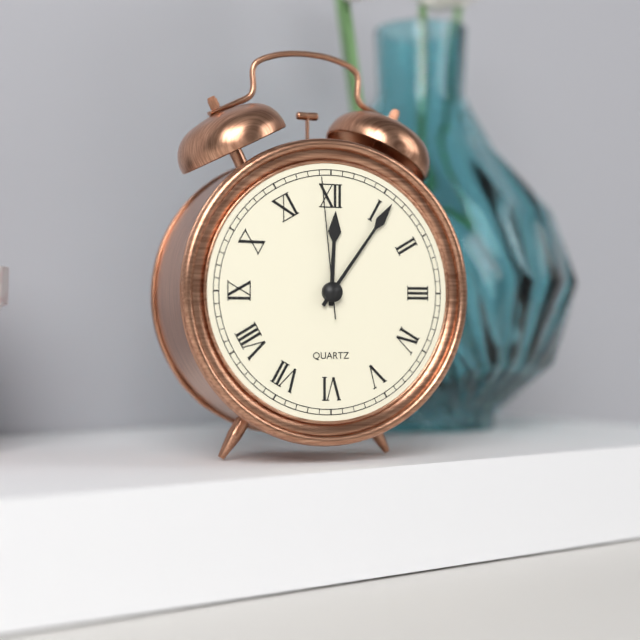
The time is {"hour": 12, "minute": 6, "second": 59}
